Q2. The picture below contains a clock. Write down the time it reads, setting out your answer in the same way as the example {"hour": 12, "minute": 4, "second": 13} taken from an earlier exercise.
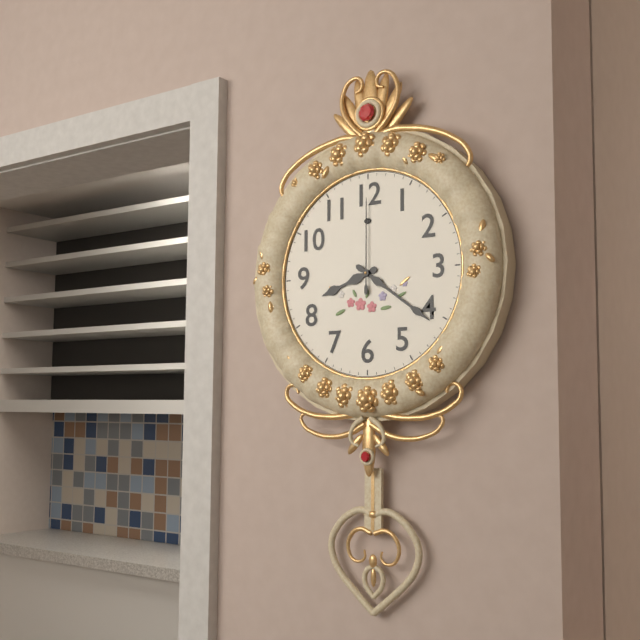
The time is {"hour": 8, "minute": 21, "second": 0}
